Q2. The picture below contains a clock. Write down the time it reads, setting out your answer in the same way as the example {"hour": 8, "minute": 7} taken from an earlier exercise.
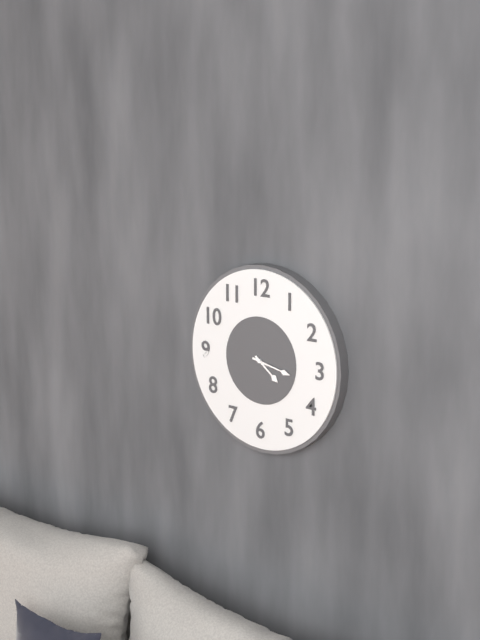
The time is {"hour": 4, "minute": 17}
